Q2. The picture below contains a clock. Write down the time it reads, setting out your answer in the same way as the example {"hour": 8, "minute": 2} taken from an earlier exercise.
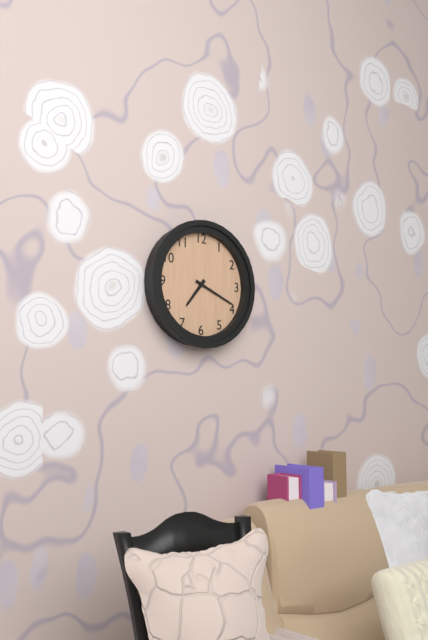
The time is {"hour": 7, "minute": 19}
